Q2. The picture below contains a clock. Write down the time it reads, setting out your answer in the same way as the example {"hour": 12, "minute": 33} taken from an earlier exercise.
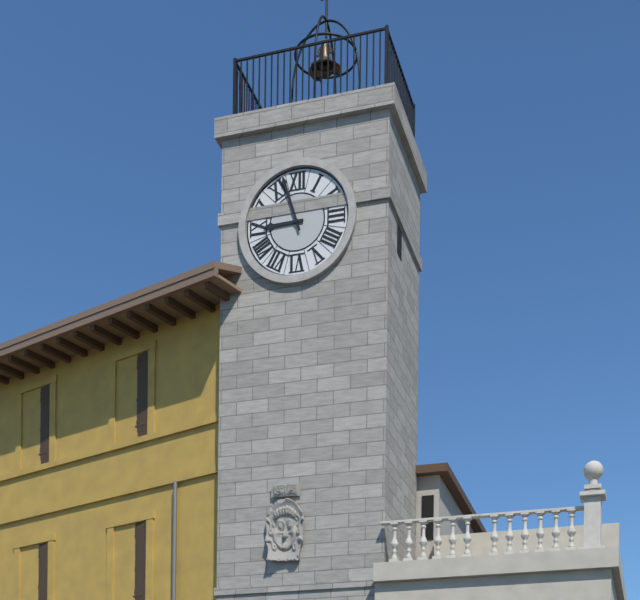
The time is {"hour": 8, "minute": 57}
